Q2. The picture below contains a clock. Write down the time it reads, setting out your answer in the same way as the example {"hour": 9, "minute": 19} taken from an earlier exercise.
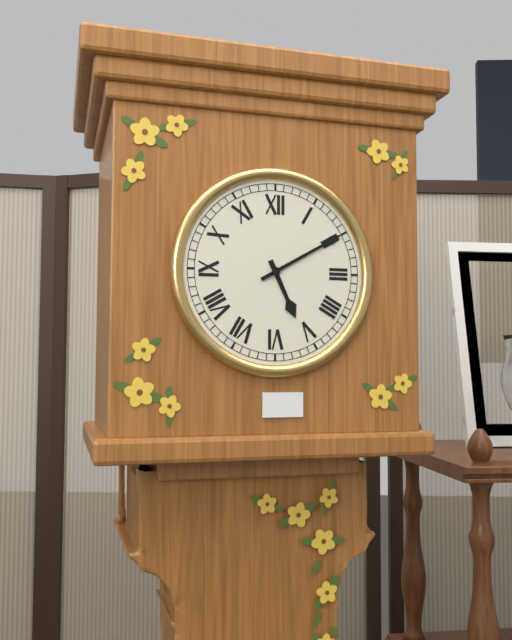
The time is {"hour": 5, "minute": 10}
